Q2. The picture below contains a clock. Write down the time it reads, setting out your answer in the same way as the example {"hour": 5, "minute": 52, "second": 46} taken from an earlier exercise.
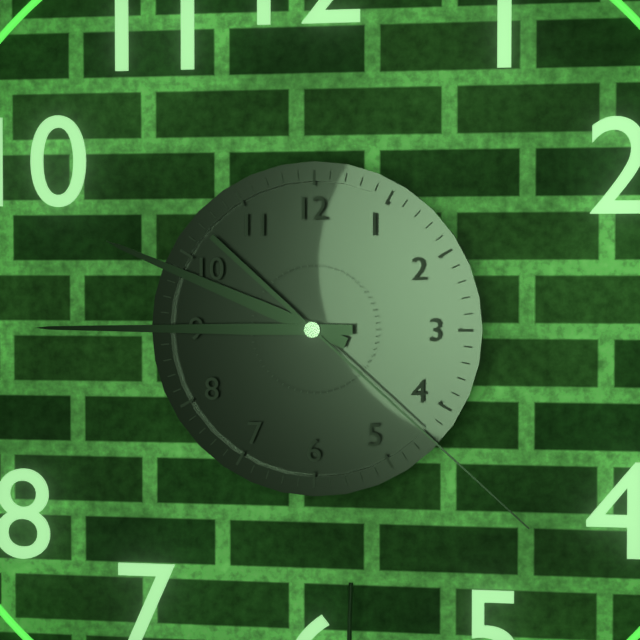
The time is {"hour": 9, "minute": 45, "second": 22}
